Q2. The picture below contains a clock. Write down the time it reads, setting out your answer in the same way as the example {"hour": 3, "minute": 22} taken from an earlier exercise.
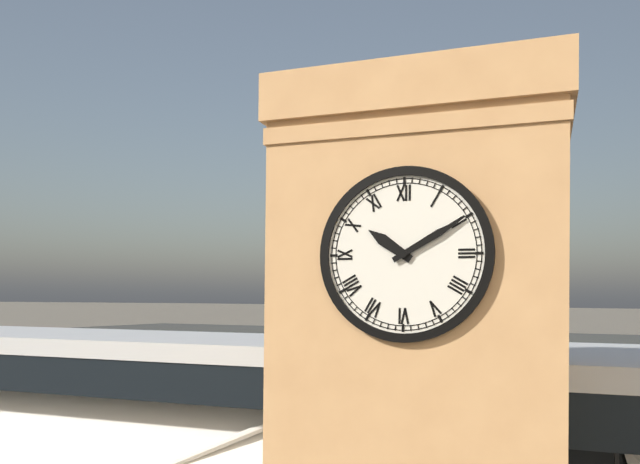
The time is {"hour": 10, "minute": 10}
